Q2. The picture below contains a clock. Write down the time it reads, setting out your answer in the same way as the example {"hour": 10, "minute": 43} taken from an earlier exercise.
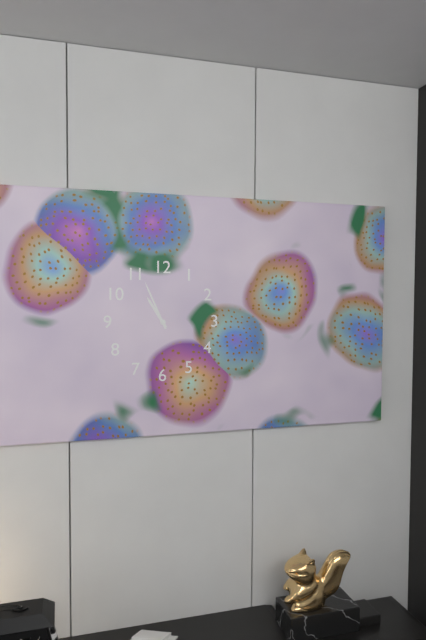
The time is {"hour": 10, "minute": 56}
